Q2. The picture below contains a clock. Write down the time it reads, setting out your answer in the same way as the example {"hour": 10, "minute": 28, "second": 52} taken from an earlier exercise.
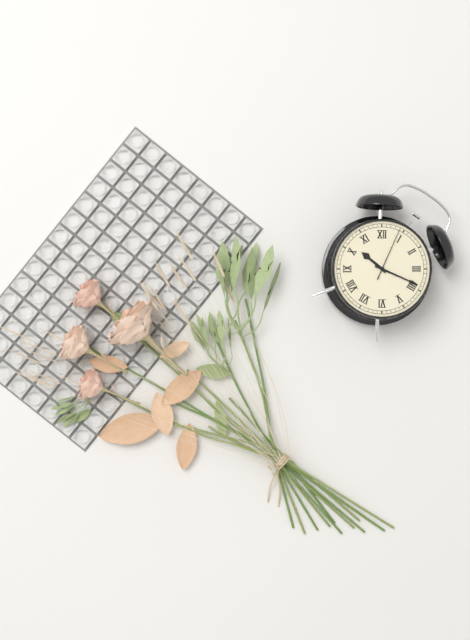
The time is {"hour": 10, "minute": 19, "second": 4}
